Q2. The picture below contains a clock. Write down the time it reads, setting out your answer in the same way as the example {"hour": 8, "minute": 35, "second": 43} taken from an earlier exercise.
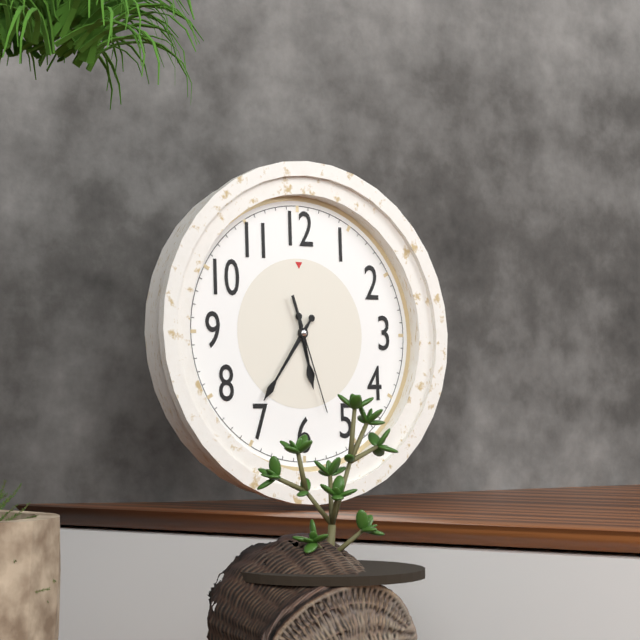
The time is {"hour": 5, "minute": 36, "second": 27}
